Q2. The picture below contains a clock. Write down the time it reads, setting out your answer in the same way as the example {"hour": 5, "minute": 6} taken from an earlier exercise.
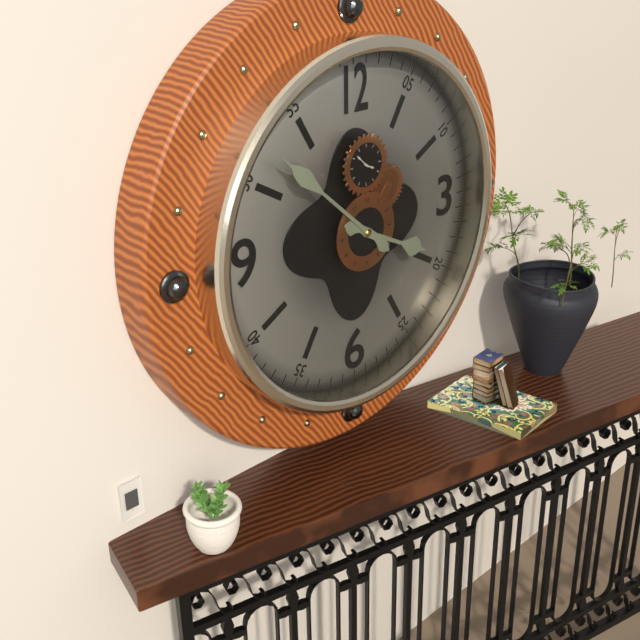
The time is {"hour": 3, "minute": 52}
